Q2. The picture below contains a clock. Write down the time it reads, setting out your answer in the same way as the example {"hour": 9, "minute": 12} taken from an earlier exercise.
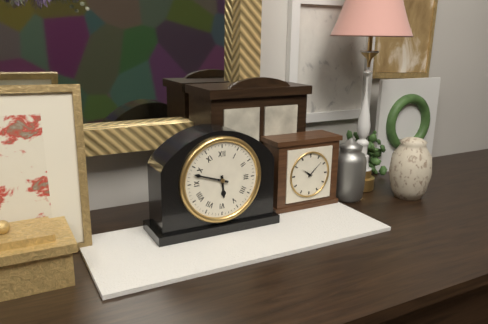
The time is {"hour": 5, "minute": 48}
